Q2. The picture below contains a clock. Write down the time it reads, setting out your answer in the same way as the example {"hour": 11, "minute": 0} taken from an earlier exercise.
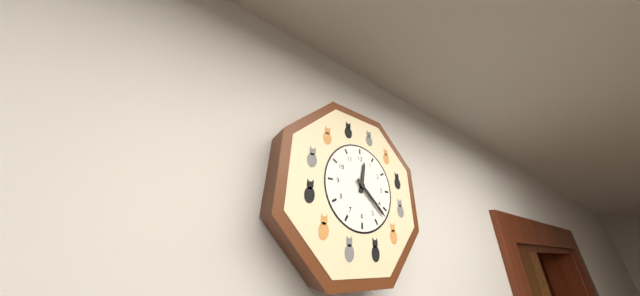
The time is {"hour": 12, "minute": 22}
